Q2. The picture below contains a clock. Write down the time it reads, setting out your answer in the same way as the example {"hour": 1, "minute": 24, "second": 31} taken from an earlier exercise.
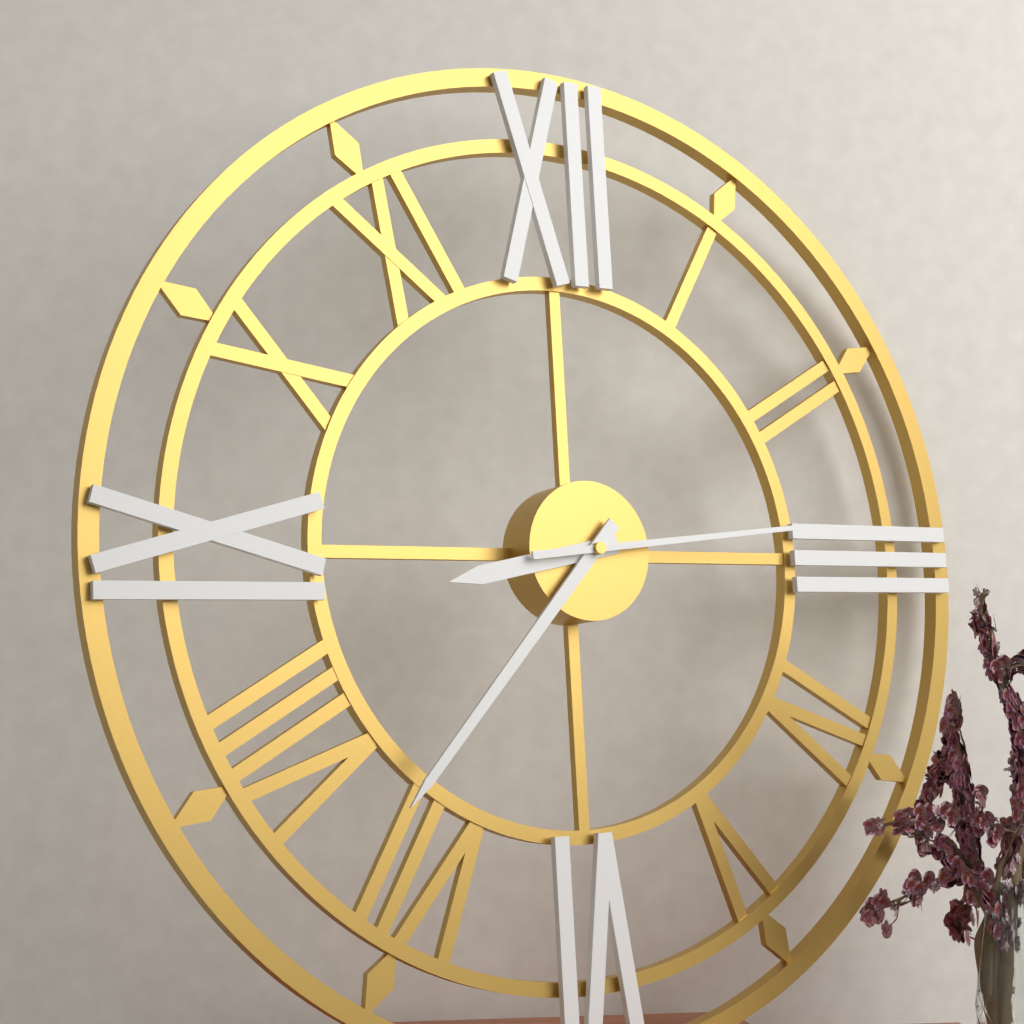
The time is {"hour": 8, "minute": 37, "second": 14}
